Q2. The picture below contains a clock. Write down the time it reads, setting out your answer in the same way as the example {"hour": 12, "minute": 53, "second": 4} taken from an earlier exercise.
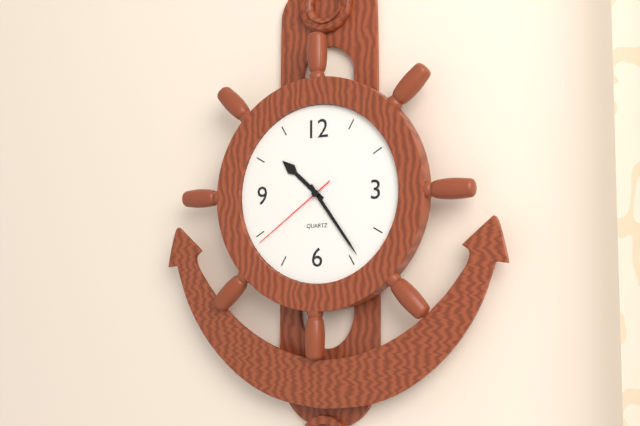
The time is {"hour": 10, "minute": 24, "second": 39}
